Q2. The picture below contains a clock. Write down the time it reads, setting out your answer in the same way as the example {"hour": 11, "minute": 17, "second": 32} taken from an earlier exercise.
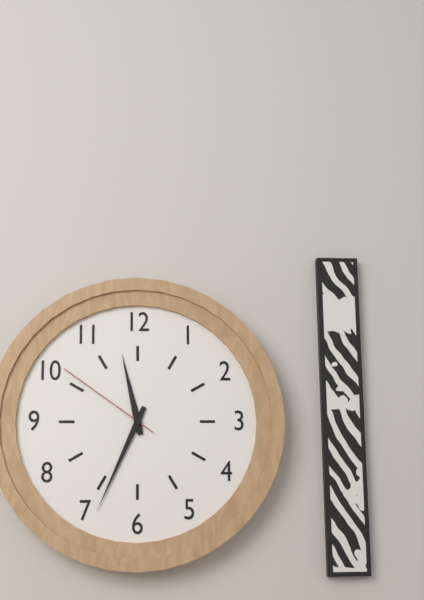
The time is {"hour": 11, "minute": 34, "second": 51}
